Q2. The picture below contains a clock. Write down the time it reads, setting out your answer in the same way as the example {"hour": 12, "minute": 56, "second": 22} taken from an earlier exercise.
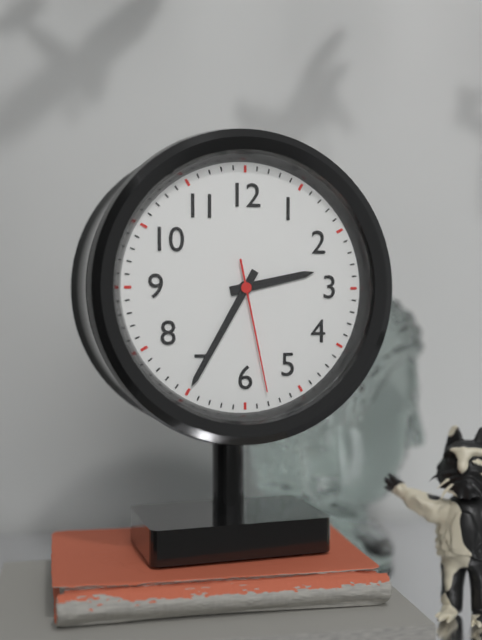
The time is {"hour": 2, "minute": 35, "second": 28}
